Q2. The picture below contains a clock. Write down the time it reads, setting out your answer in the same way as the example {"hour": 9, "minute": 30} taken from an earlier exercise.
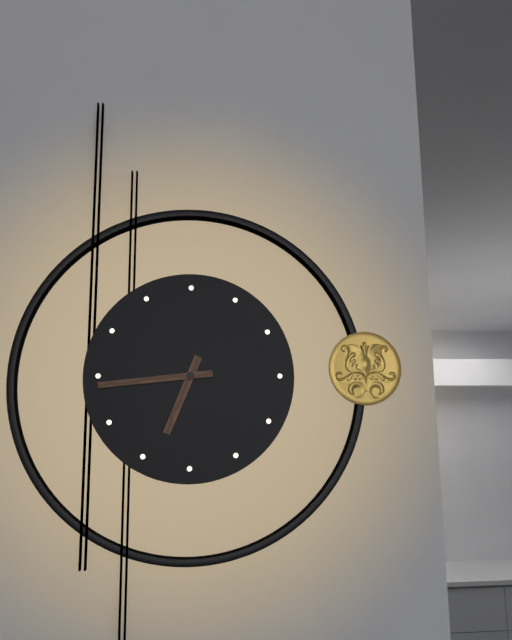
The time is {"hour": 6, "minute": 44}
